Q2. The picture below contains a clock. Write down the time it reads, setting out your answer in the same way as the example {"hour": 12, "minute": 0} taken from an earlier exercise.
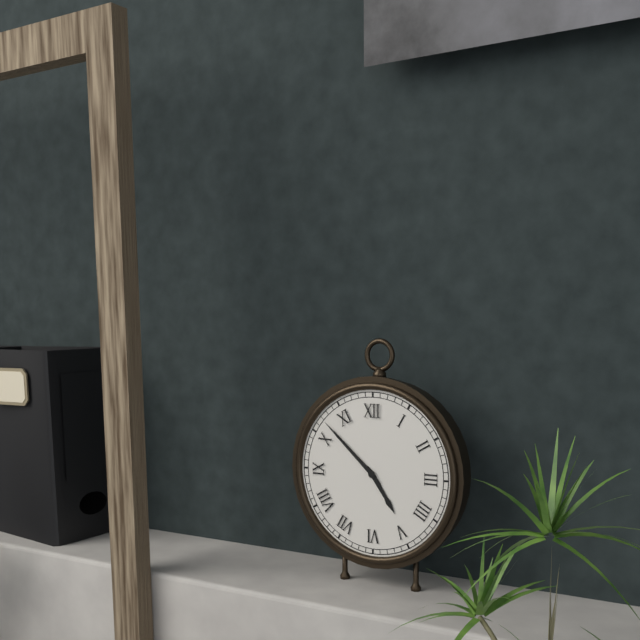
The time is {"hour": 4, "minute": 52}
